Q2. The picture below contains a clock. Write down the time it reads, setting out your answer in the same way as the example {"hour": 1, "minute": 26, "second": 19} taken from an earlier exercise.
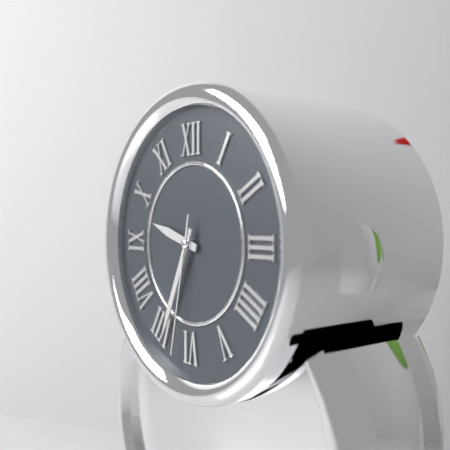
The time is {"hour": 9, "minute": 34, "second": 32}
